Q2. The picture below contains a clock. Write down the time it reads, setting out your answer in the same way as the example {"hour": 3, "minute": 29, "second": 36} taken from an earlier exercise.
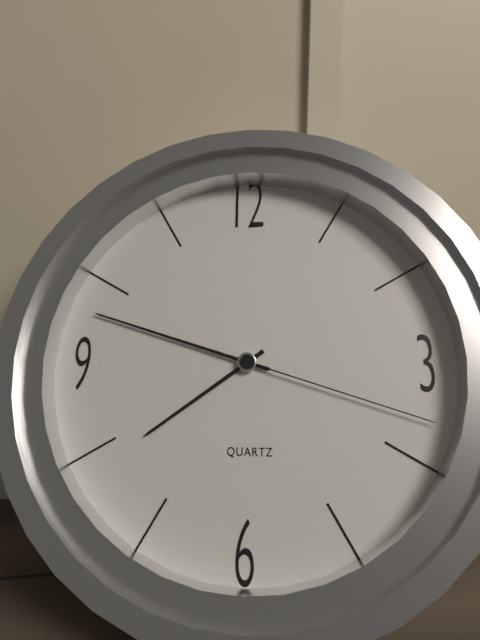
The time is {"hour": 7, "minute": 48, "second": 18}
